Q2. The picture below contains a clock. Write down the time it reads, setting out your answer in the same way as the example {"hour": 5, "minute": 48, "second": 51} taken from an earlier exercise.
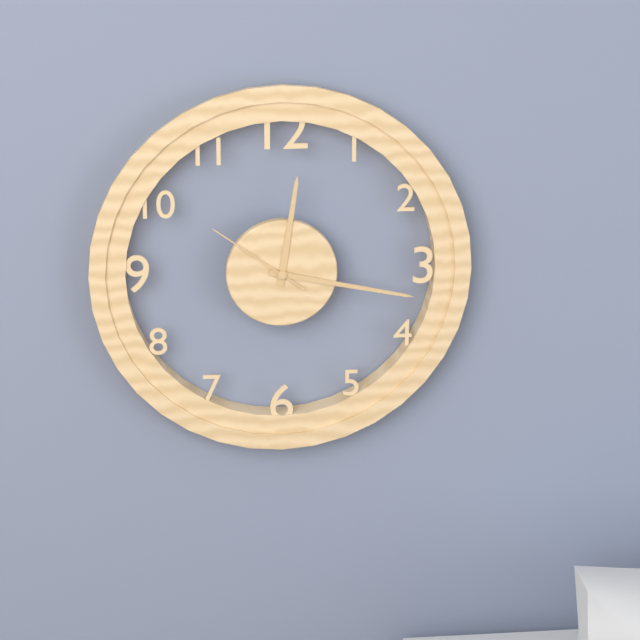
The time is {"hour": 12, "minute": 17, "second": 51}
